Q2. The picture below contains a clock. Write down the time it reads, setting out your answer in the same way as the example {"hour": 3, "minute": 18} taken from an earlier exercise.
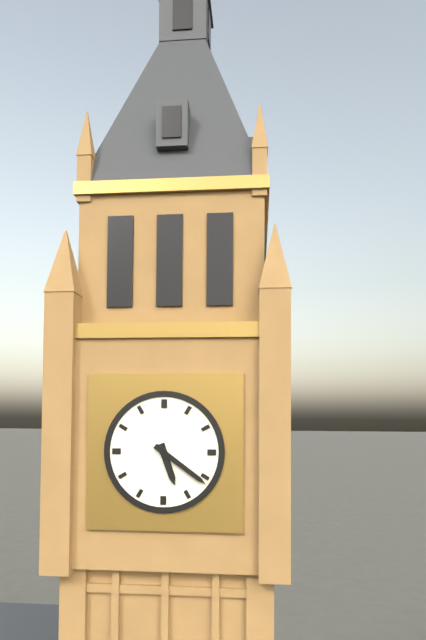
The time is {"hour": 5, "minute": 21}
